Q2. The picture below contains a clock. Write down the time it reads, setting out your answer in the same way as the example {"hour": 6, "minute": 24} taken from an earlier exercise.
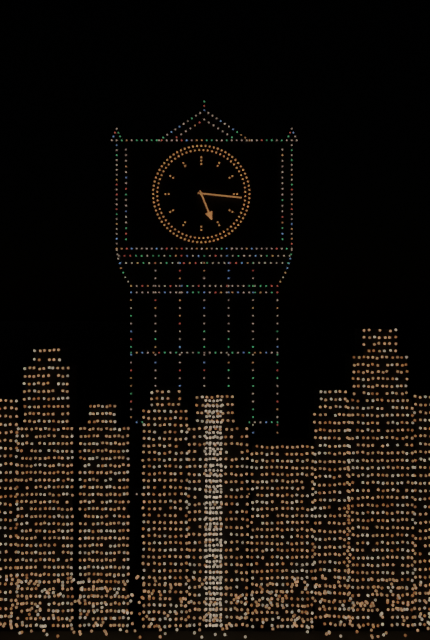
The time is {"hour": 5, "minute": 16}
